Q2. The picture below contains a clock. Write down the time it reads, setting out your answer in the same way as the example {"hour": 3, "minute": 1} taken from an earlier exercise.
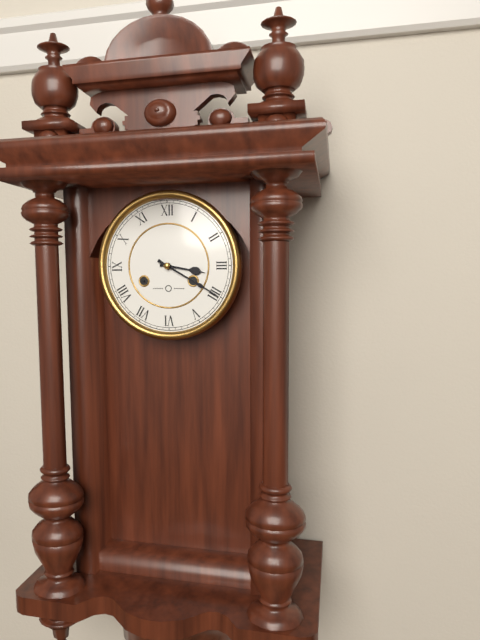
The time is {"hour": 3, "minute": 20}
